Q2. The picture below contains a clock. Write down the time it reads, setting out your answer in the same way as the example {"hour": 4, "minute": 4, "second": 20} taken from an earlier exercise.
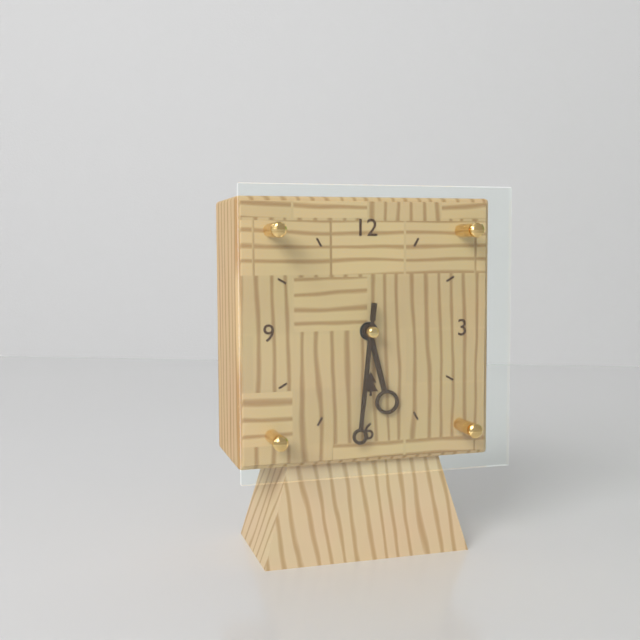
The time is {"hour": 5, "minute": 31, "second": 31}
